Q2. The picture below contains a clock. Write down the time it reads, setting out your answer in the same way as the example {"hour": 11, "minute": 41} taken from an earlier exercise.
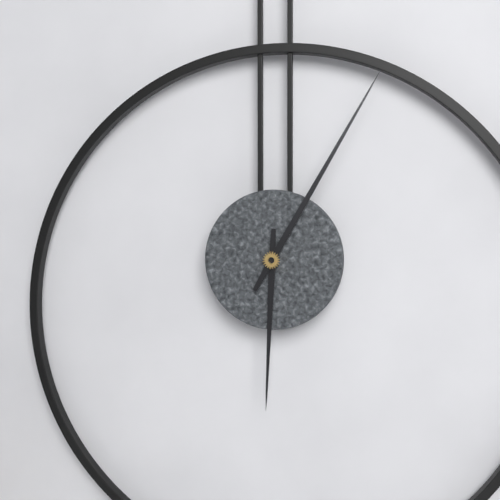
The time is {"hour": 6, "minute": 5}
